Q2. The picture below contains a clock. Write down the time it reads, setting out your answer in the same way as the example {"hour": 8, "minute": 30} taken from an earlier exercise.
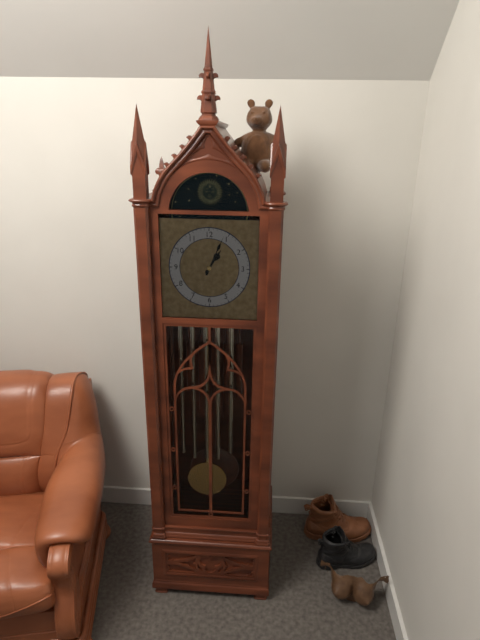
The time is {"hour": 1, "minute": 4}
